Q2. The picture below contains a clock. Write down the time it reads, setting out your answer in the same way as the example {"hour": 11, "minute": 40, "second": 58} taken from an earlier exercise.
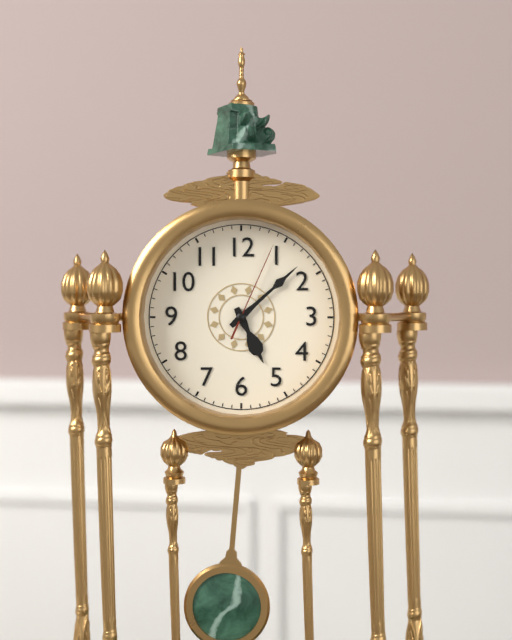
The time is {"hour": 5, "minute": 8, "second": 4}
